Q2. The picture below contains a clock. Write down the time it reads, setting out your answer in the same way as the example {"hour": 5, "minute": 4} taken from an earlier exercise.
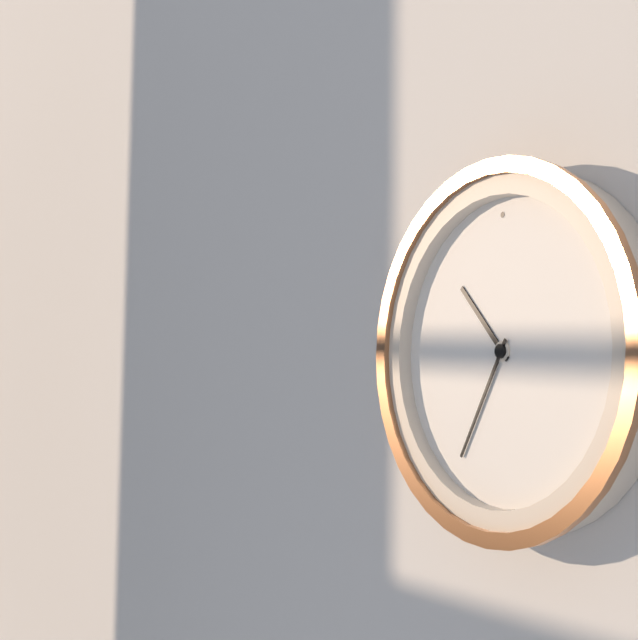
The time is {"hour": 10, "minute": 35}
